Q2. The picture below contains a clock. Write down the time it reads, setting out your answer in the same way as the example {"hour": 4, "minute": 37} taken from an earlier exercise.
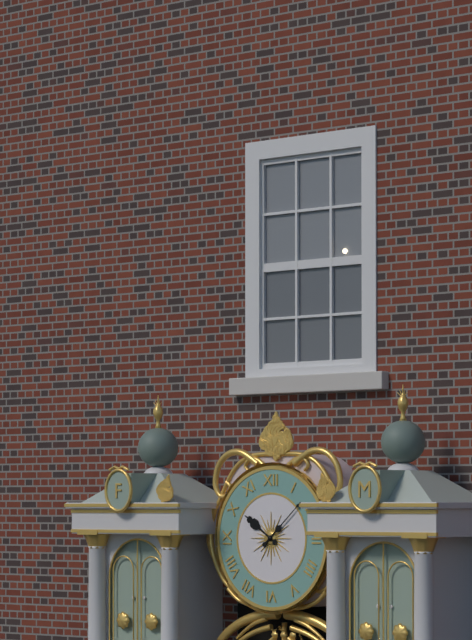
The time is {"hour": 10, "minute": 8}
